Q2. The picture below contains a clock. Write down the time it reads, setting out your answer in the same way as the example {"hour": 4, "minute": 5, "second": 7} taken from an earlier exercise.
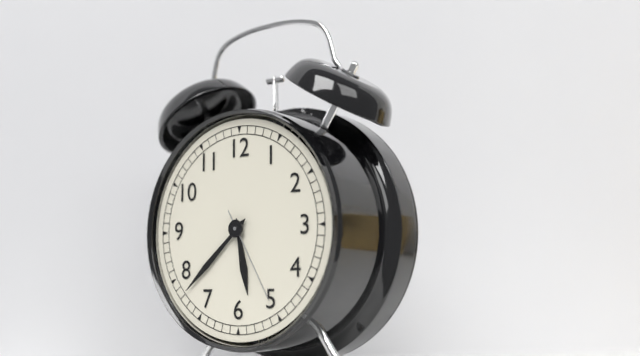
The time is {"hour": 5, "minute": 38, "second": 25}
